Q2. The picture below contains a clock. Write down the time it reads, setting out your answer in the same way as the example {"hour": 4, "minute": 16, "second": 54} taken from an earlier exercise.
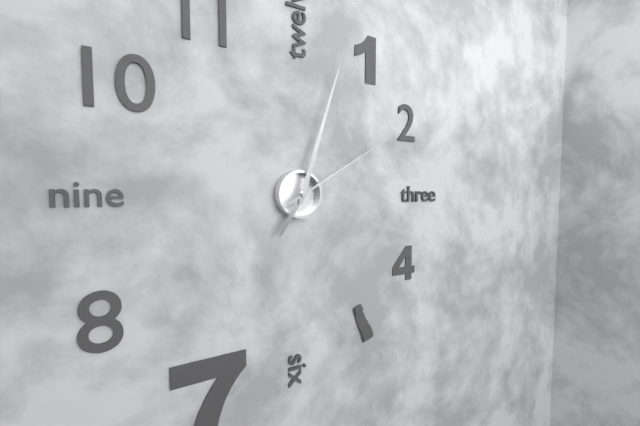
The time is {"hour": 7, "minute": 3, "second": 10}
